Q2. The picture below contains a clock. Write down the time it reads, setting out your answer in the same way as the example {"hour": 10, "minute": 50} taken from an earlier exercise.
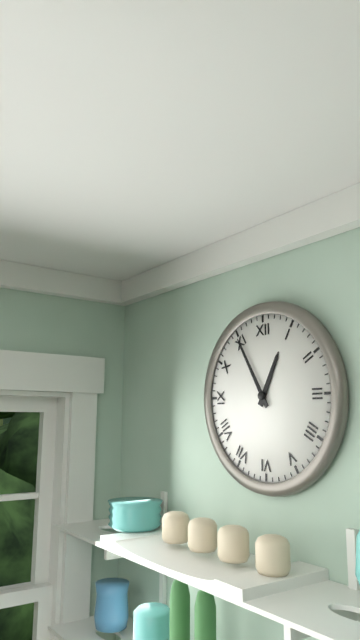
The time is {"hour": 12, "minute": 55}
